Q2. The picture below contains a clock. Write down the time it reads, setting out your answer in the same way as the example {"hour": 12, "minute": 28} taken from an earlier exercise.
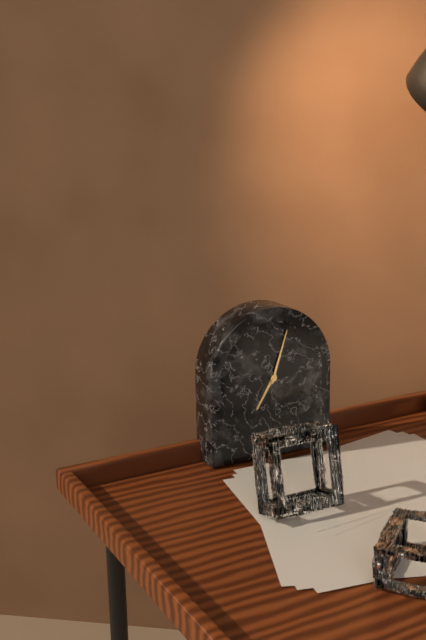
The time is {"hour": 7, "minute": 3}
